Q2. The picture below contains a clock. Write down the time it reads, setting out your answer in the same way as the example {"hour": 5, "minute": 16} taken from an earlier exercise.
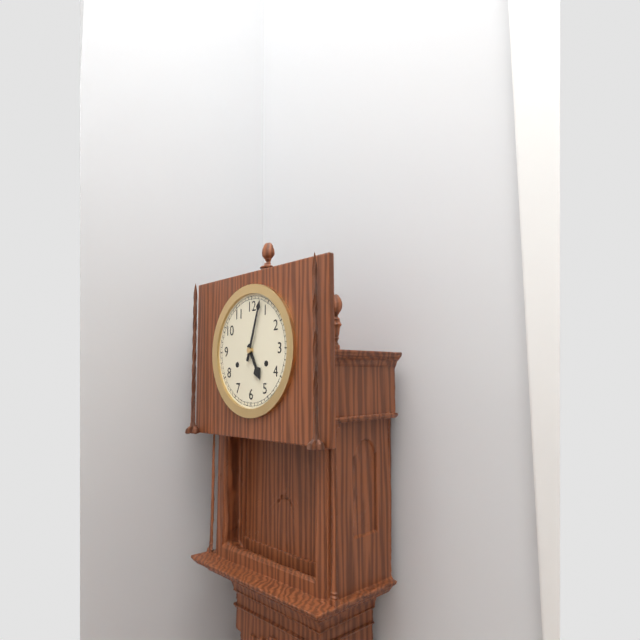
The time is {"hour": 5, "minute": 3}
